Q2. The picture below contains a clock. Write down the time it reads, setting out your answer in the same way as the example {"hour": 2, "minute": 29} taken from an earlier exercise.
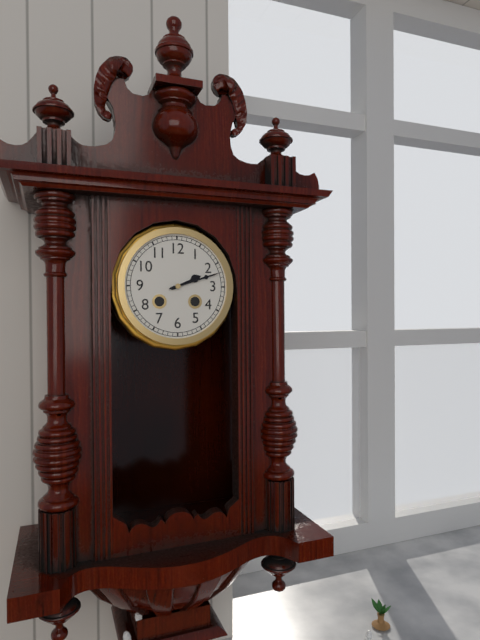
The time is {"hour": 2, "minute": 12}
